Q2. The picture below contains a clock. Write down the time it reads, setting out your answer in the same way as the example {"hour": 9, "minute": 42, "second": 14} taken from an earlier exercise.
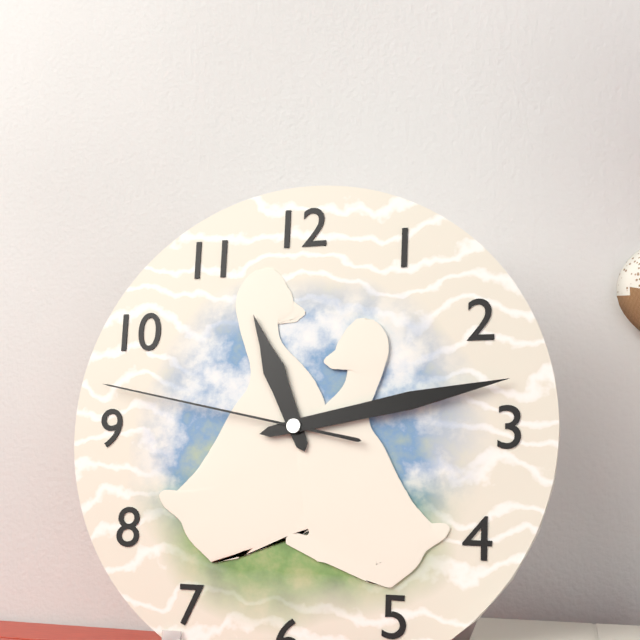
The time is {"hour": 11, "minute": 13, "second": 47}
